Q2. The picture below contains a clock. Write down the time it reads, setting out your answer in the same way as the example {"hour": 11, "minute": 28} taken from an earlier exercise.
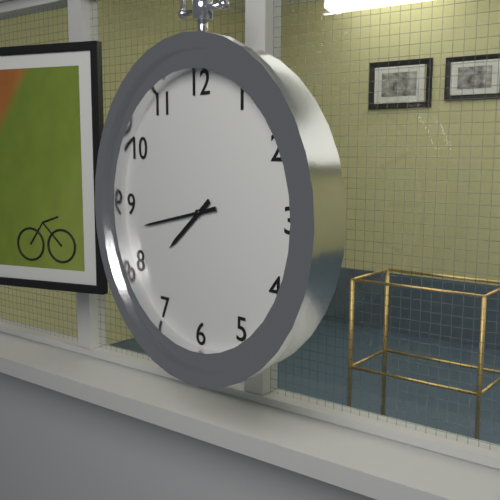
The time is {"hour": 7, "minute": 43}
